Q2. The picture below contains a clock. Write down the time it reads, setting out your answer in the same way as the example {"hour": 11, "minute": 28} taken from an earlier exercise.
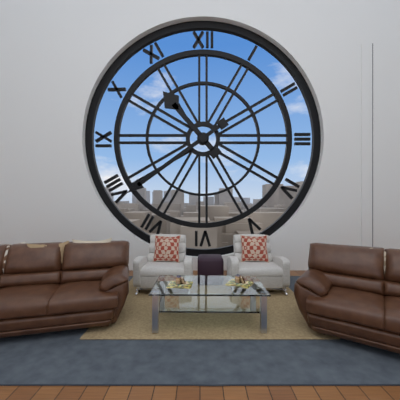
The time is {"hour": 10, "minute": 39}
